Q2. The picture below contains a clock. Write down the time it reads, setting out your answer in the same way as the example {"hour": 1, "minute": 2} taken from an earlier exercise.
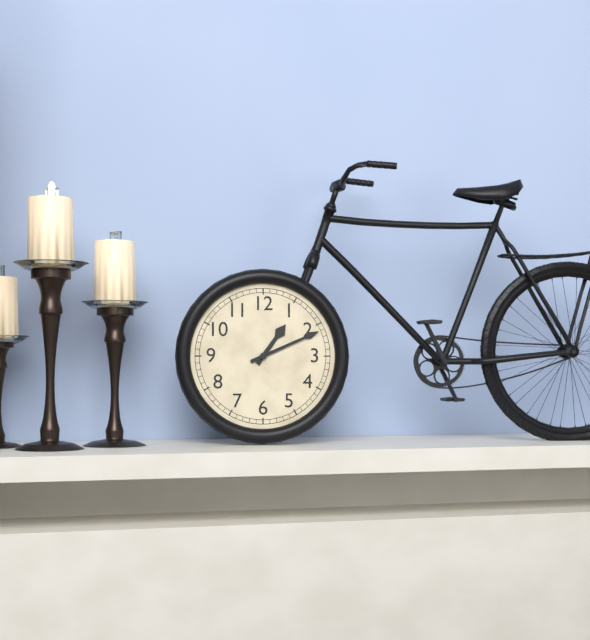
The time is {"hour": 1, "minute": 11}
